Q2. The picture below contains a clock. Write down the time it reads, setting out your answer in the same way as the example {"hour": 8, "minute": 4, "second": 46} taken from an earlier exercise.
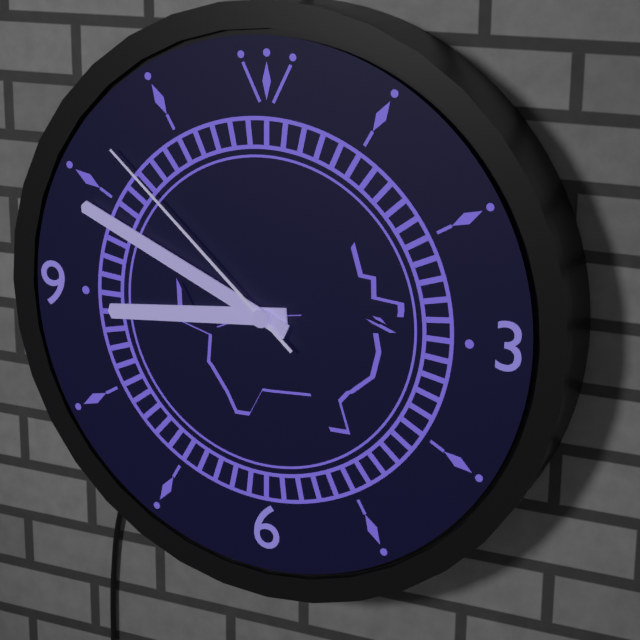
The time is {"hour": 8, "minute": 49, "second": 52}
